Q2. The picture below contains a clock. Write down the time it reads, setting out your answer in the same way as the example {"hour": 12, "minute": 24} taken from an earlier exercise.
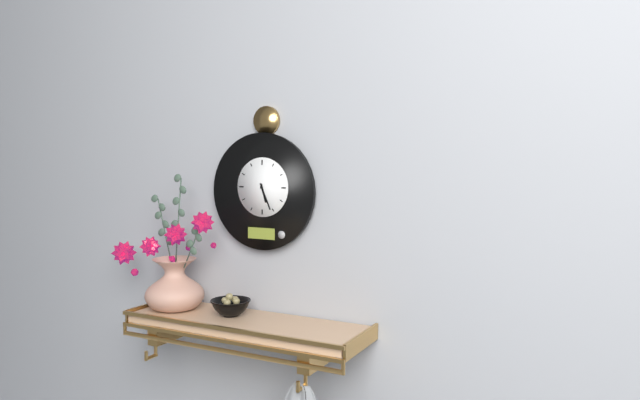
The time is {"hour": 5, "minute": 26}
